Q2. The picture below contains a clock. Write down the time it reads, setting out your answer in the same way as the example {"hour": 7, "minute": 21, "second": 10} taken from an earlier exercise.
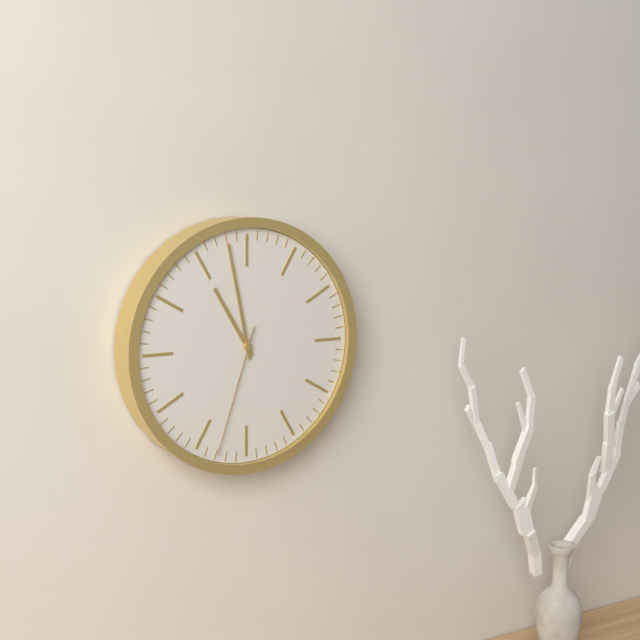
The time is {"hour": 10, "minute": 58, "second": 33}
